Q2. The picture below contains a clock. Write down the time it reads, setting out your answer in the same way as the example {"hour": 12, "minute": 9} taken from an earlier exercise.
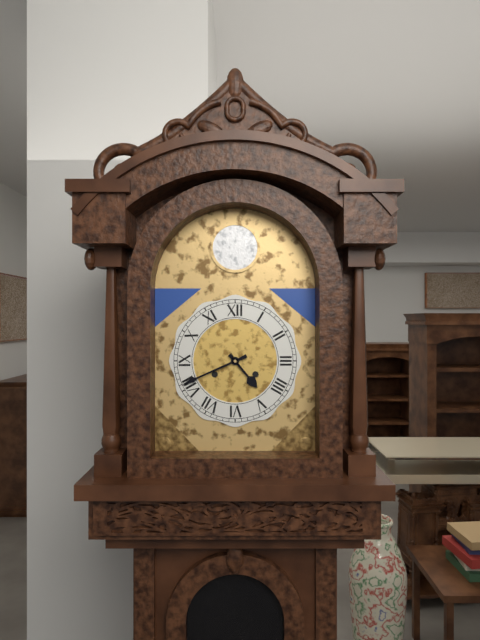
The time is {"hour": 4, "minute": 41}
